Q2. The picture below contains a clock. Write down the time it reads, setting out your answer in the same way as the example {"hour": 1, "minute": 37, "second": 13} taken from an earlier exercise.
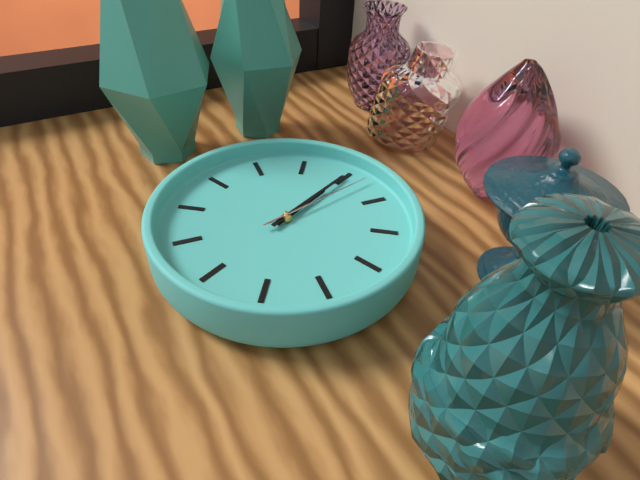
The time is {"hour": 12, "minute": 0, "second": 2}
